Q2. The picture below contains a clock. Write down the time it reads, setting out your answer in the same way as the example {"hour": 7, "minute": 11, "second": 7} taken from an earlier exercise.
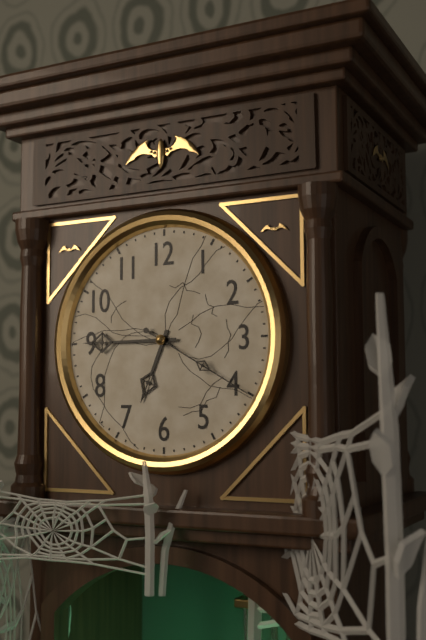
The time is {"hour": 6, "minute": 45, "second": 20}
